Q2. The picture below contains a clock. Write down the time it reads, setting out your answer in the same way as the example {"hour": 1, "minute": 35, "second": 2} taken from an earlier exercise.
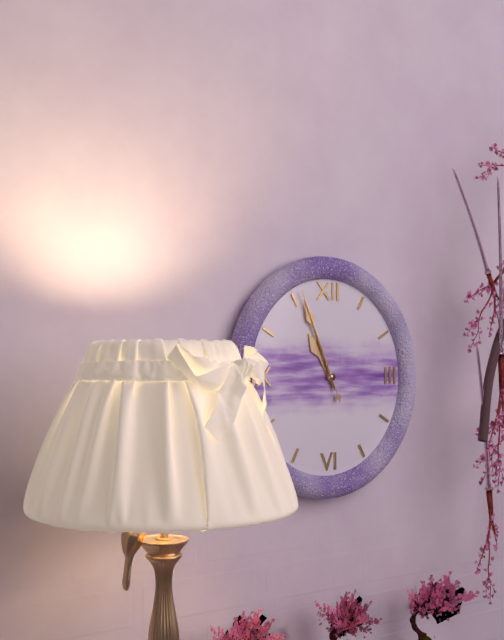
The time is {"hour": 10, "minute": 56, "second": 56}
